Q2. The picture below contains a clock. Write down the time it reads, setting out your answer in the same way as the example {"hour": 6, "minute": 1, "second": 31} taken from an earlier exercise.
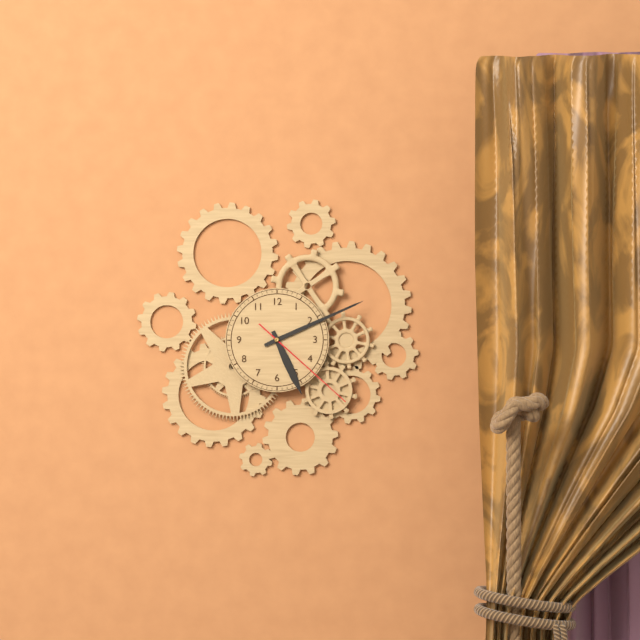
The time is {"hour": 5, "minute": 11, "second": 22}
